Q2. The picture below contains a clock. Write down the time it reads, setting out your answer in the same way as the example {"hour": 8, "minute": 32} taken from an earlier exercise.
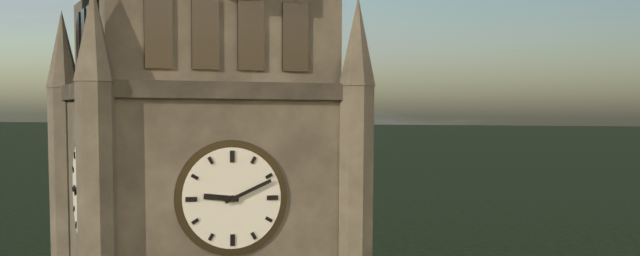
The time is {"hour": 9, "minute": 11}
